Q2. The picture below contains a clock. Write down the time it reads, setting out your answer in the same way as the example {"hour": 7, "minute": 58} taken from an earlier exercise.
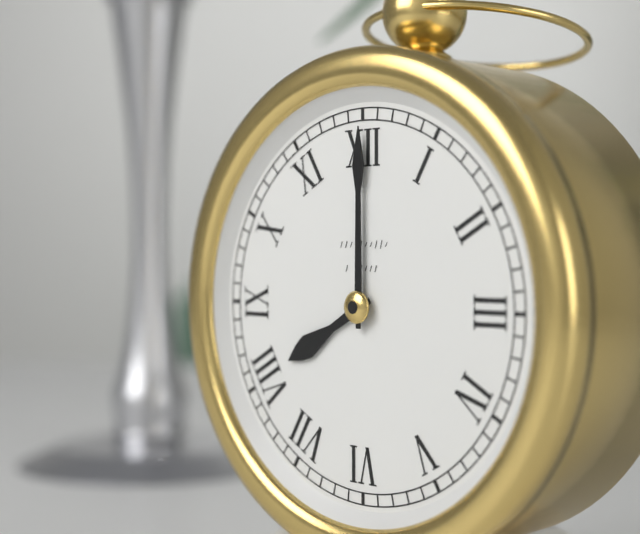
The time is {"hour": 8, "minute": 0}
